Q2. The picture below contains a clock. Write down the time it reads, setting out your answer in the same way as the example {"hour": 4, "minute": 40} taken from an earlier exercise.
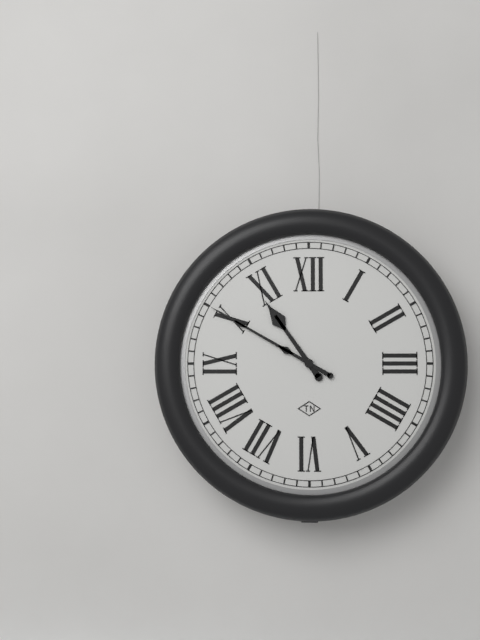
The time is {"hour": 10, "minute": 50}
